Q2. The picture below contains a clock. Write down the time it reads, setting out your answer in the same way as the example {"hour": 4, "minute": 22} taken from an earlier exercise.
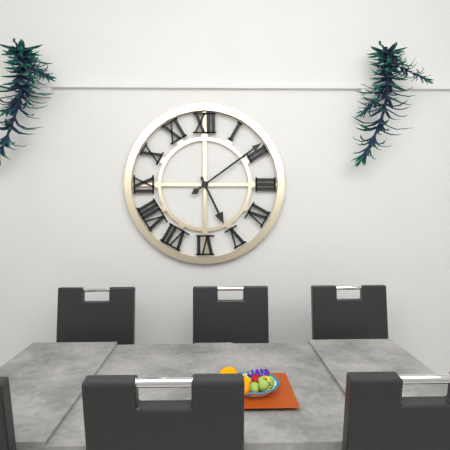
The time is {"hour": 5, "minute": 9}
